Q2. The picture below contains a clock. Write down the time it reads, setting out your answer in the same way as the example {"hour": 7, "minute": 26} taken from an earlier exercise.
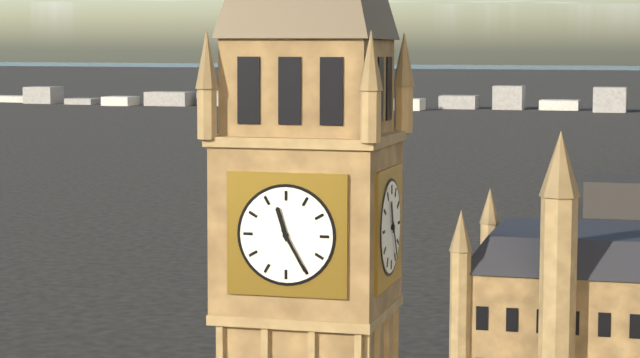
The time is {"hour": 11, "minute": 25}
